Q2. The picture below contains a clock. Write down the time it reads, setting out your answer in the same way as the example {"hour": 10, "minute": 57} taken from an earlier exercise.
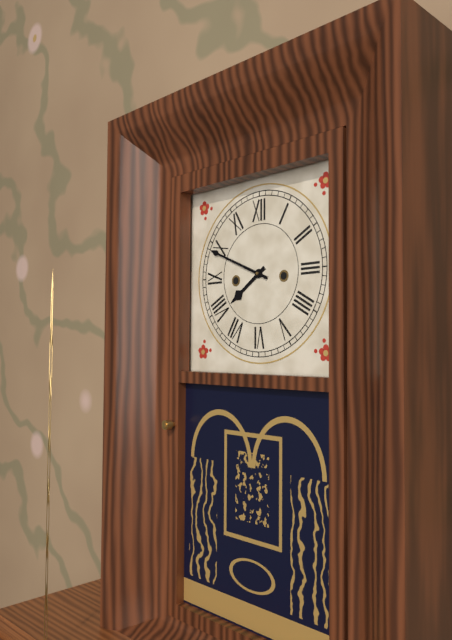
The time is {"hour": 7, "minute": 49}
